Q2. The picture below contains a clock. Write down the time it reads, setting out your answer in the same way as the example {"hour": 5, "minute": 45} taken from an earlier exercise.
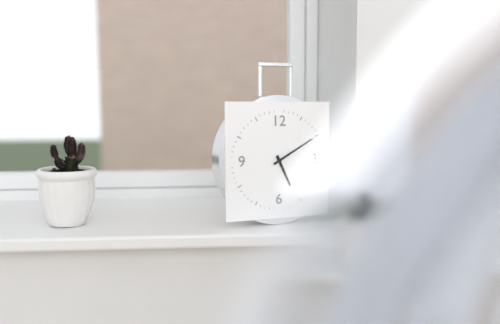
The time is {"hour": 5, "minute": 10}
